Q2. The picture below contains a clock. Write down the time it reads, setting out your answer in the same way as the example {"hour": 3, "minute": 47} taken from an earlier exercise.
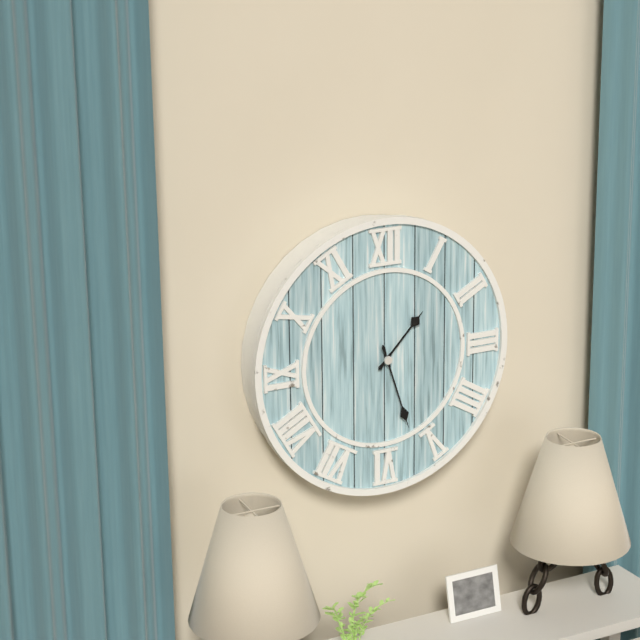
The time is {"hour": 1, "minute": 27}
